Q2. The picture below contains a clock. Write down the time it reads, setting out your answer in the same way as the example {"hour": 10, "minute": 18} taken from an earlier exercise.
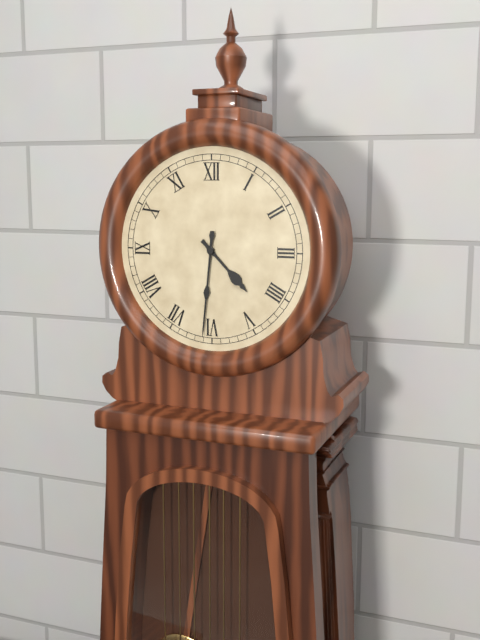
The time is {"hour": 4, "minute": 31}
